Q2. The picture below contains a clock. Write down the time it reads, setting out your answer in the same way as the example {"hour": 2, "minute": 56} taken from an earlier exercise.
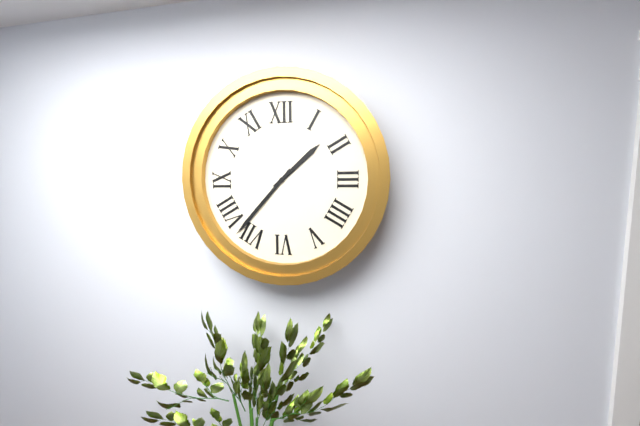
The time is {"hour": 1, "minute": 37}
